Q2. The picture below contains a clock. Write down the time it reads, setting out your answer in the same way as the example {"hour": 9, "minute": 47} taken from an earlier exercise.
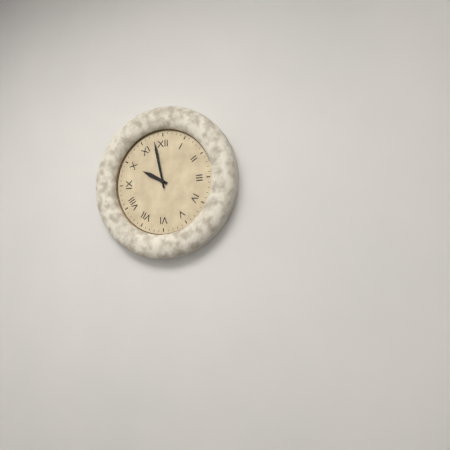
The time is {"hour": 9, "minute": 58}
